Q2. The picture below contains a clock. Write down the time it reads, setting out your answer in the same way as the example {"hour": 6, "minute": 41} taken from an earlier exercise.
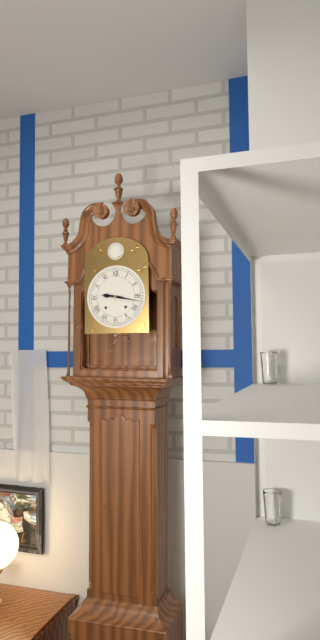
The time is {"hour": 9, "minute": 17}
